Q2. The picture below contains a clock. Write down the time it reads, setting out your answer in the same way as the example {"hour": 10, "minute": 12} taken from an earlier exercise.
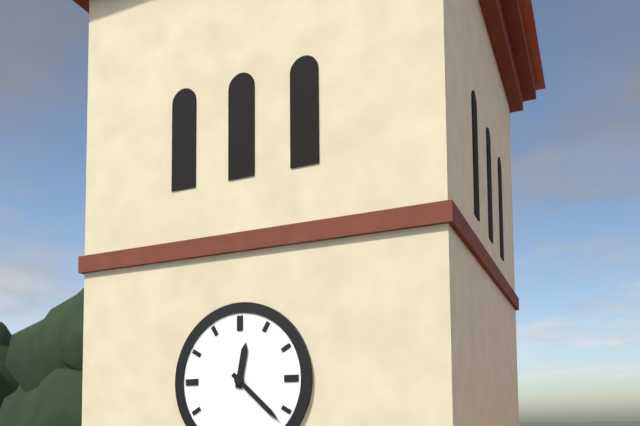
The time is {"hour": 12, "minute": 22}
